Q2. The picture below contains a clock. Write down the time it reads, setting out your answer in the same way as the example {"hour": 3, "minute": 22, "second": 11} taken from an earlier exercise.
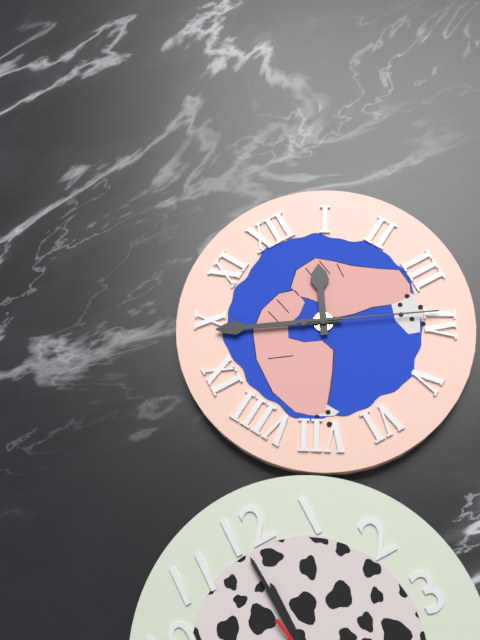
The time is {"hour": 12, "minute": 49, "second": 19}
